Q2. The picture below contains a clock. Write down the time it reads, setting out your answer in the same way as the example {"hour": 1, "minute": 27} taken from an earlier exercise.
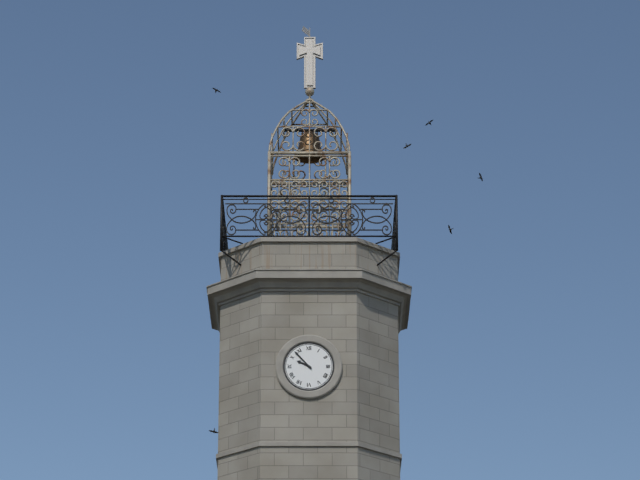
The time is {"hour": 9, "minute": 53}
